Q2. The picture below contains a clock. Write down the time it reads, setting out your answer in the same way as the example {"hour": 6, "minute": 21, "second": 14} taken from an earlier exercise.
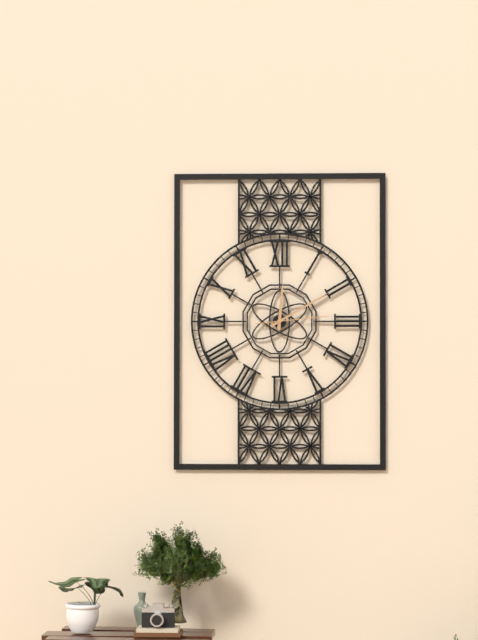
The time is {"hour": 12, "minute": 10, "second": 14}
